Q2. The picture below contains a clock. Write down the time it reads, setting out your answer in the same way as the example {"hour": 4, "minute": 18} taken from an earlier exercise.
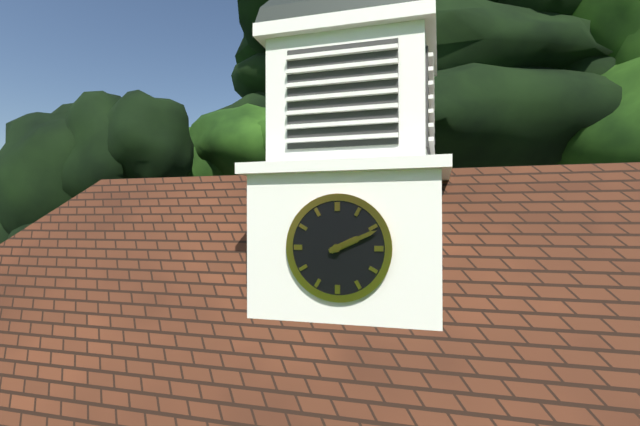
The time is {"hour": 2, "minute": 11}
